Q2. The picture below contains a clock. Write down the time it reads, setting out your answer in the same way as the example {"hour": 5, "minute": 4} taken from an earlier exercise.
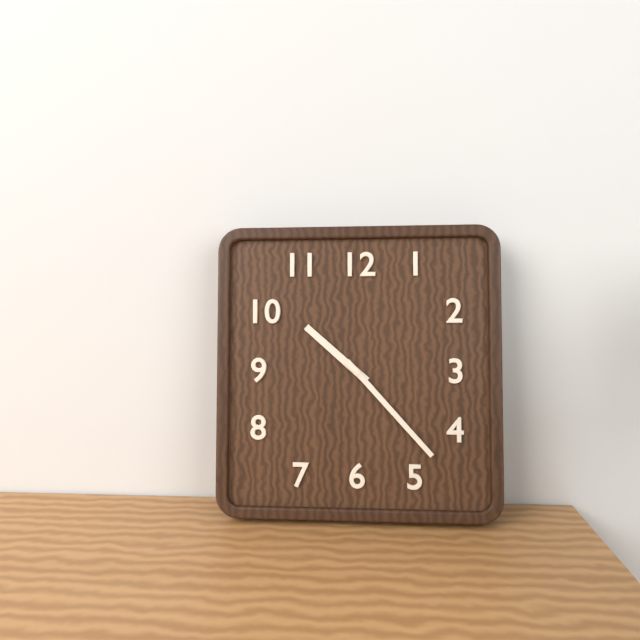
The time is {"hour": 10, "minute": 23}
